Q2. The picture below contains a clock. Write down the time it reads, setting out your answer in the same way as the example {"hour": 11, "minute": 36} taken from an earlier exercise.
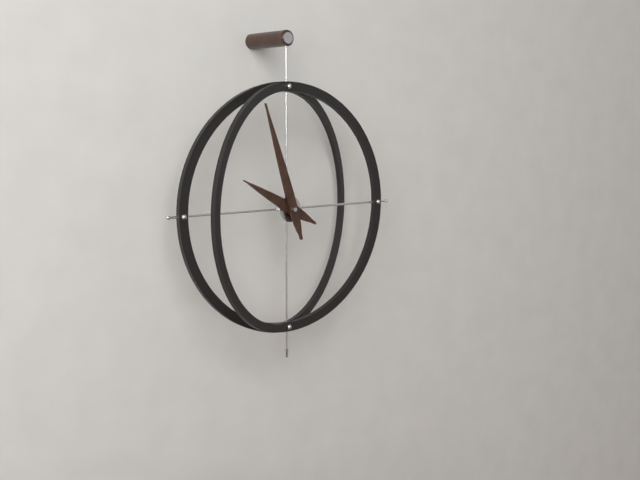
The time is {"hour": 9, "minute": 57}
